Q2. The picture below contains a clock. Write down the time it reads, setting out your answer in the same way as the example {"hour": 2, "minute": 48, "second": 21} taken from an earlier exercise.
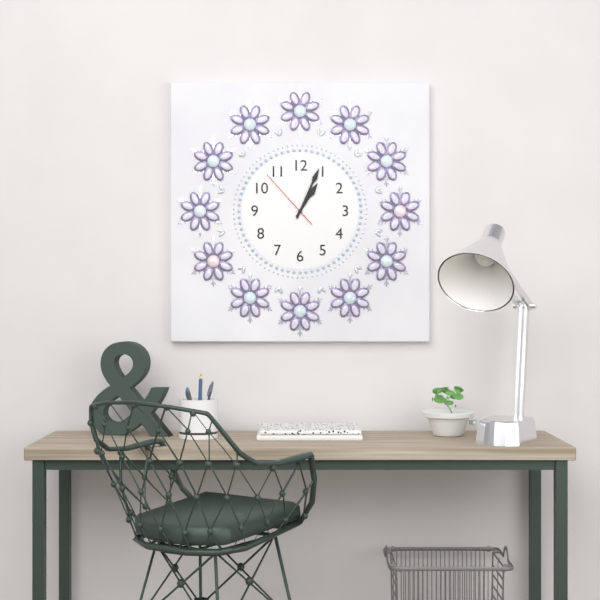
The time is {"hour": 1, "minute": 4, "second": 53}
